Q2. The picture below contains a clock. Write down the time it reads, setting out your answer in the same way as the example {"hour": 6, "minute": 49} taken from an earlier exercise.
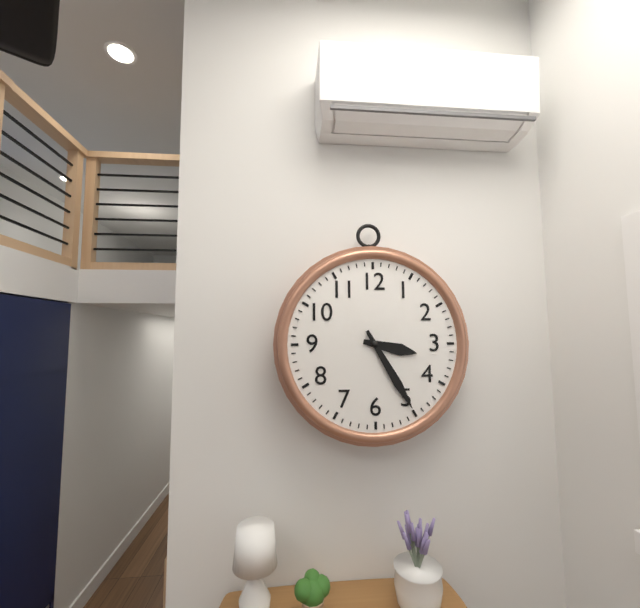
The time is {"hour": 3, "minute": 25}
